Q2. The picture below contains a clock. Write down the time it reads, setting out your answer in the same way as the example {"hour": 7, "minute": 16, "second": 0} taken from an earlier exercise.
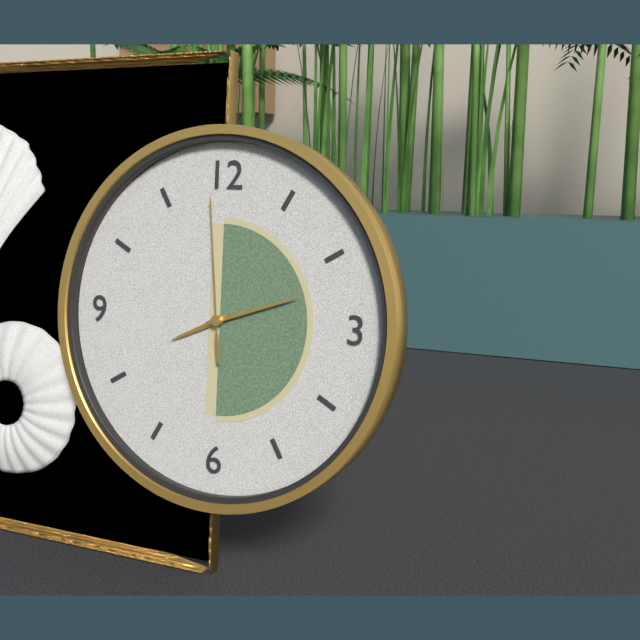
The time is {"hour": 8, "minute": 12, "second": 59}
